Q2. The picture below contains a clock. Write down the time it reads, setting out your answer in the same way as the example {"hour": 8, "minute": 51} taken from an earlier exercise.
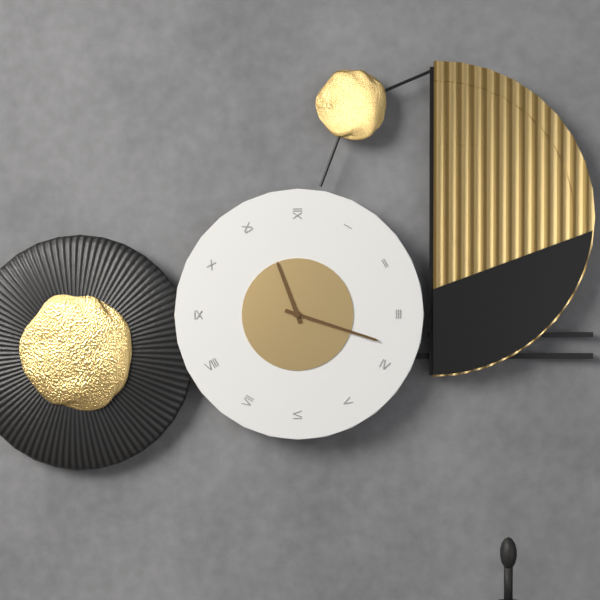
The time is {"hour": 11, "minute": 18}
